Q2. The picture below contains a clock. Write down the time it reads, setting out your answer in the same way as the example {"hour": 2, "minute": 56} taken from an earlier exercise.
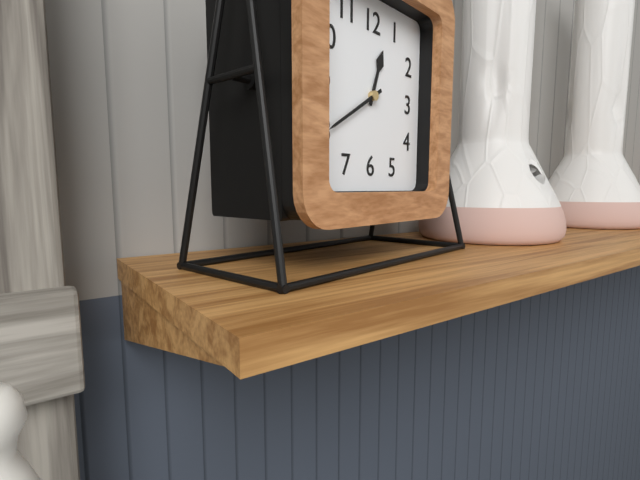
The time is {"hour": 12, "minute": 40}
